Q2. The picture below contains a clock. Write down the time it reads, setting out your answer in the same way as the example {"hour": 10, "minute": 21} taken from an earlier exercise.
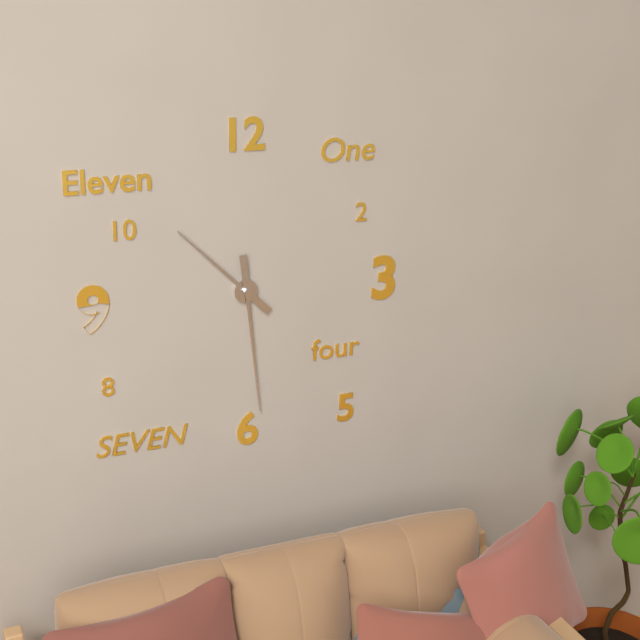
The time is {"hour": 10, "minute": 29}
